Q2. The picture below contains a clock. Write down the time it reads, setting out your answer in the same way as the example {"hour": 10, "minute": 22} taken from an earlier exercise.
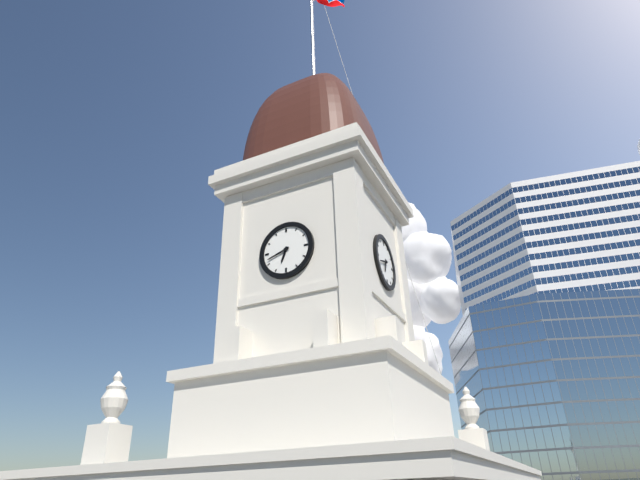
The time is {"hour": 6, "minute": 42}
